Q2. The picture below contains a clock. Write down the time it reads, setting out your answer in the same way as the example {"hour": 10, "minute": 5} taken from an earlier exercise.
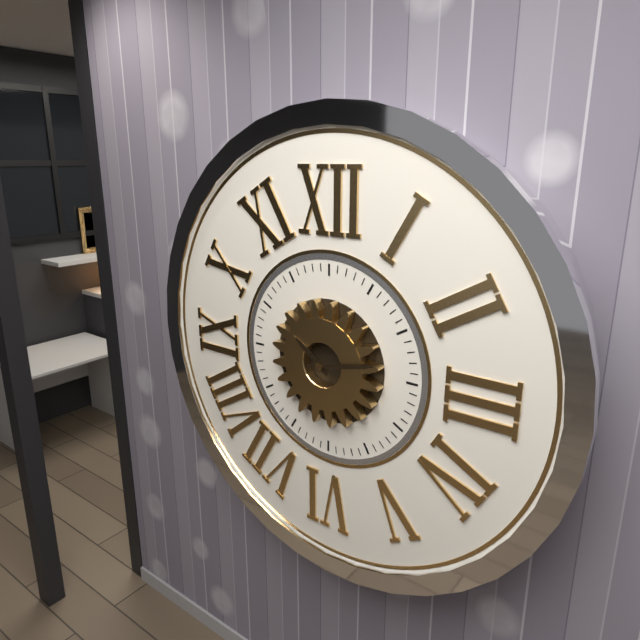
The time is {"hour": 10, "minute": 13}
